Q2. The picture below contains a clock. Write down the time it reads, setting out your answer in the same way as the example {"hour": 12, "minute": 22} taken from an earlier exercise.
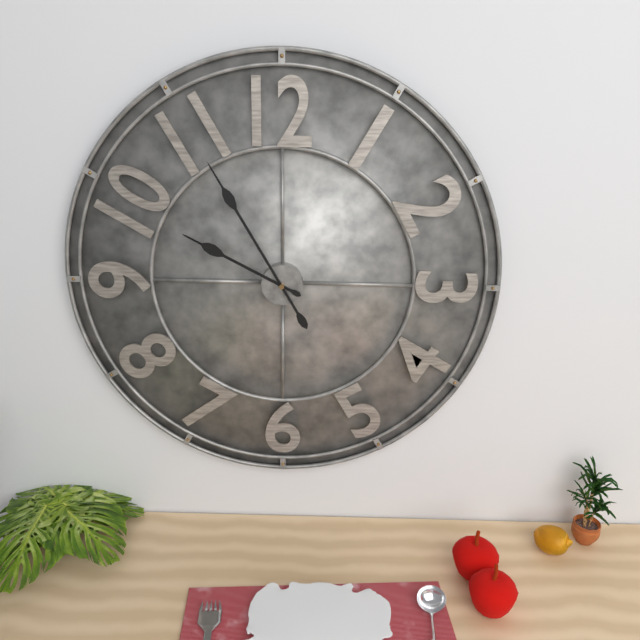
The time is {"hour": 9, "minute": 55}
